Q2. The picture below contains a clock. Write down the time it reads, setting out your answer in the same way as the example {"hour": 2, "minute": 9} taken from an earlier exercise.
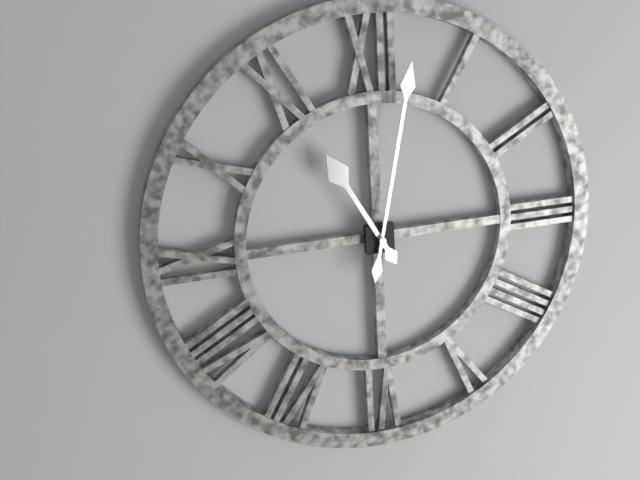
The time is {"hour": 11, "minute": 2}
